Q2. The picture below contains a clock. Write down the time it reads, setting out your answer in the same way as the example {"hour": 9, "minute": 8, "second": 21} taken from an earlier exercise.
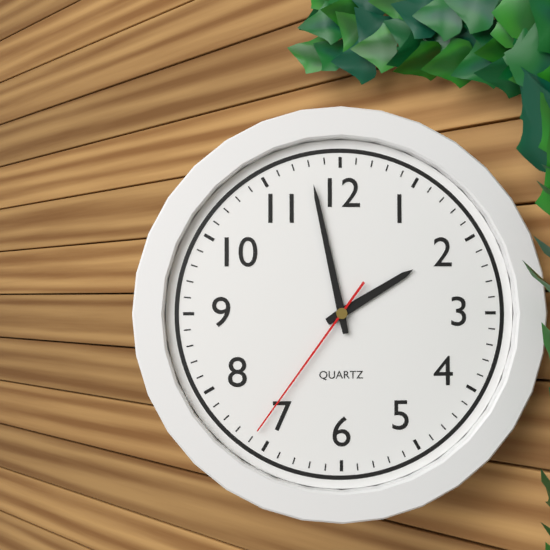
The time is {"hour": 1, "minute": 58, "second": 36}
